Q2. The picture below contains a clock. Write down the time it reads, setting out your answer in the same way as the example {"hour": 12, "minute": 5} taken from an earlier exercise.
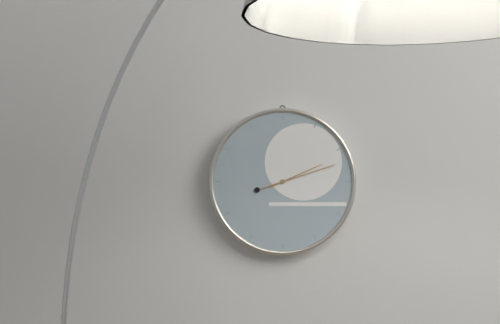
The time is {"hour": 2, "minute": 12}
